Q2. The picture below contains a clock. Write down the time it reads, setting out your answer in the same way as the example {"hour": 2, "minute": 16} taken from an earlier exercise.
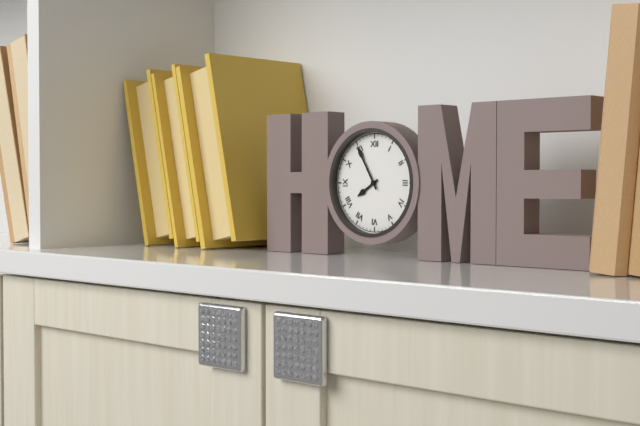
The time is {"hour": 7, "minute": 55}
